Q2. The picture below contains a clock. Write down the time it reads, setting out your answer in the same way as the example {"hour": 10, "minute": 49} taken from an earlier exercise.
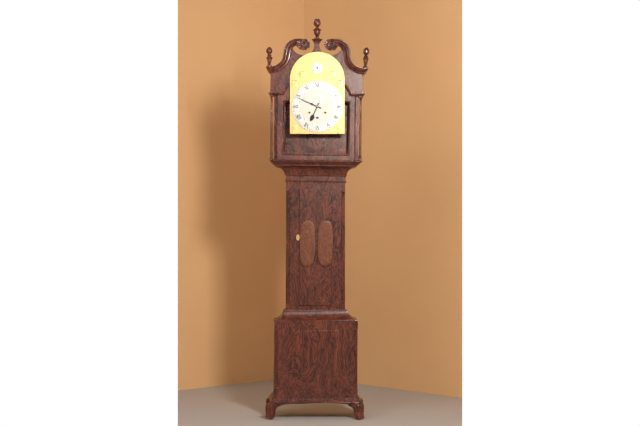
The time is {"hour": 6, "minute": 49}
